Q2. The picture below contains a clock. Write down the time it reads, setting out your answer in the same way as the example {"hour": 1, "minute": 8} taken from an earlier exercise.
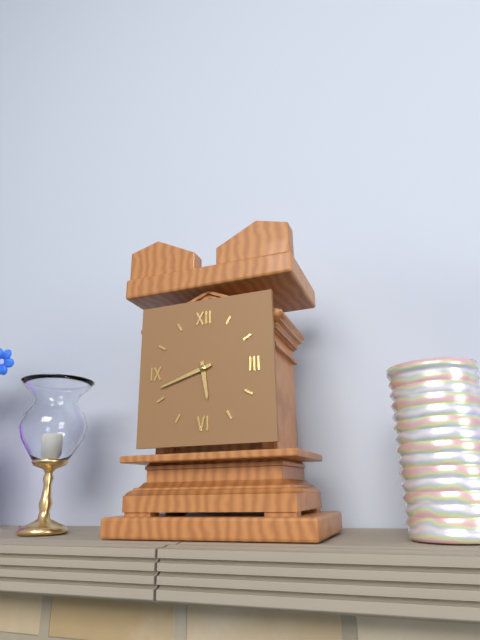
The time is {"hour": 5, "minute": 42}
